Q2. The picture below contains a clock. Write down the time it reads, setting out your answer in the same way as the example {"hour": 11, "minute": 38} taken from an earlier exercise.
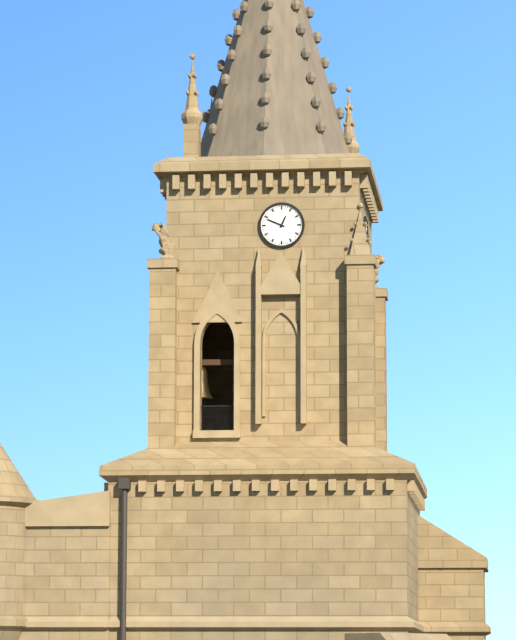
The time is {"hour": 12, "minute": 49}
